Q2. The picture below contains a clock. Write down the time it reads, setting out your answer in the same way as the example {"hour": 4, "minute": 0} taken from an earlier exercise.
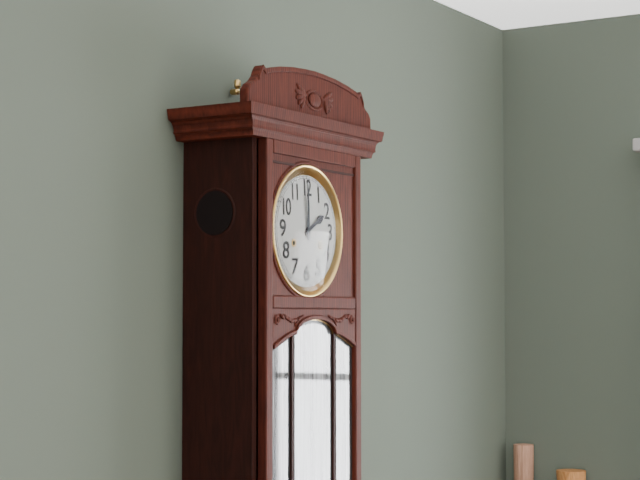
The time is {"hour": 2, "minute": 0}
